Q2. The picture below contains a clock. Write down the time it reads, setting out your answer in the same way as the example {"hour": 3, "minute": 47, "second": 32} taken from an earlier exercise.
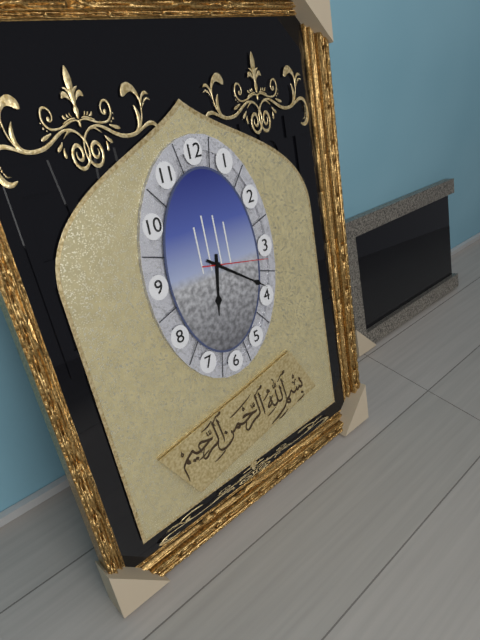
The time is {"hour": 6, "minute": 21, "second": 17}
